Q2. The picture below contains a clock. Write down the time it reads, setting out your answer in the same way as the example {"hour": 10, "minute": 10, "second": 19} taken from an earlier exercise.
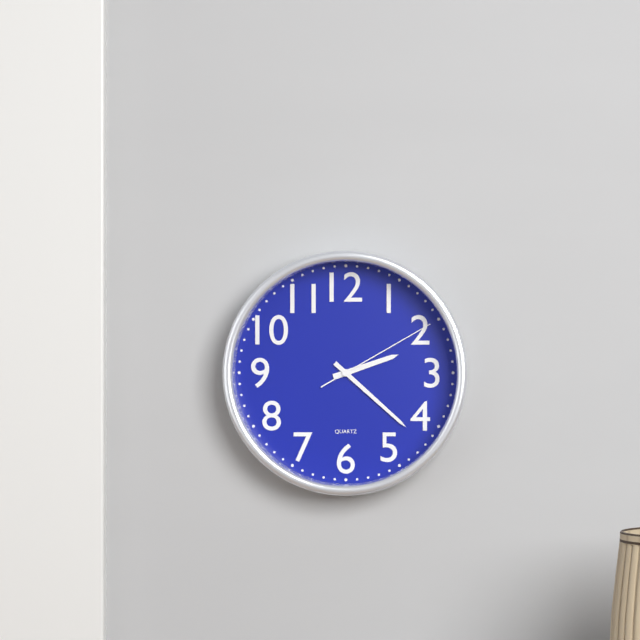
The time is {"hour": 2, "minute": 22, "second": 10}
